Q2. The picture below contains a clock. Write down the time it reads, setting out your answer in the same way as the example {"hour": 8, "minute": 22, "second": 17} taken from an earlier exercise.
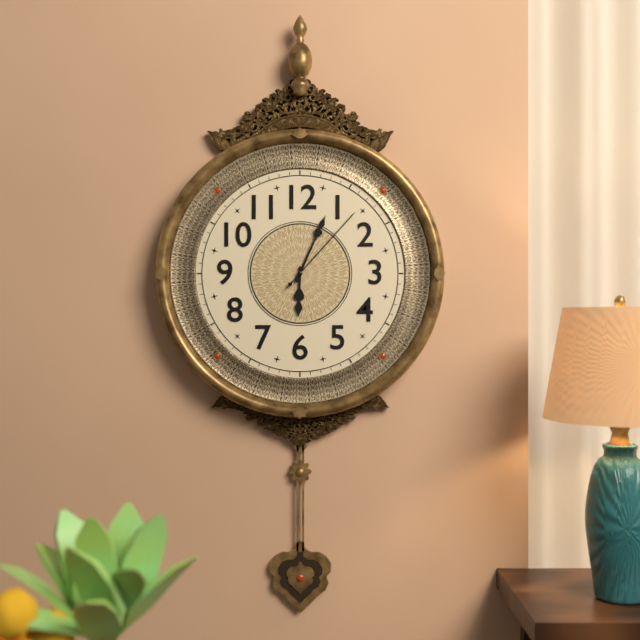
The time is {"hour": 6, "minute": 4, "second": 7}
